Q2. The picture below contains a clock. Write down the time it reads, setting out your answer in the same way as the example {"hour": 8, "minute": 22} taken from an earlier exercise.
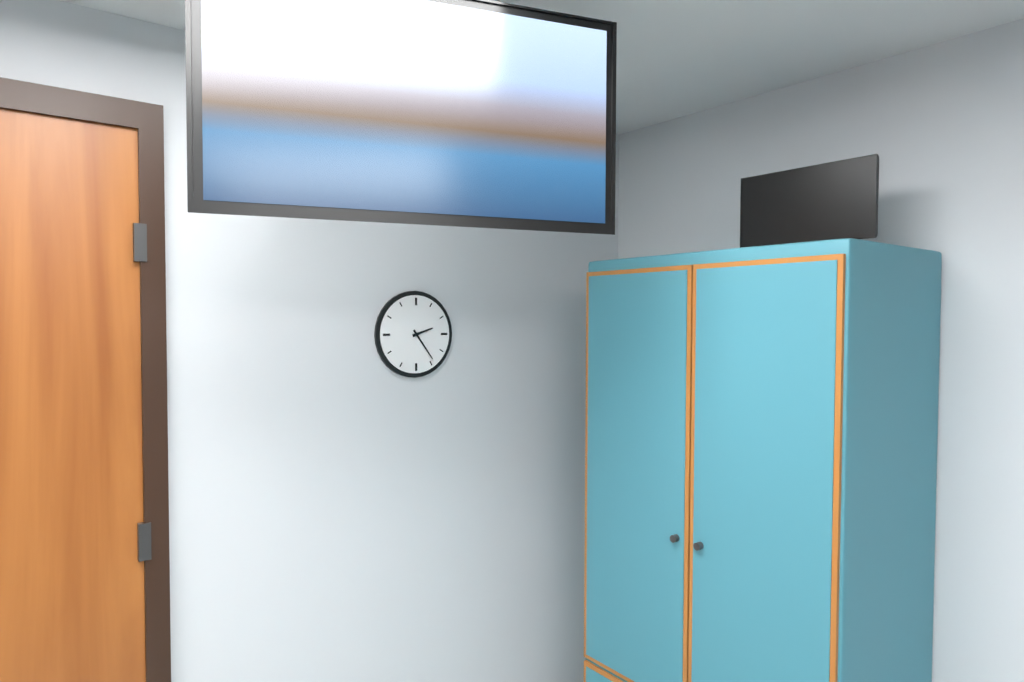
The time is {"hour": 2, "minute": 24}
